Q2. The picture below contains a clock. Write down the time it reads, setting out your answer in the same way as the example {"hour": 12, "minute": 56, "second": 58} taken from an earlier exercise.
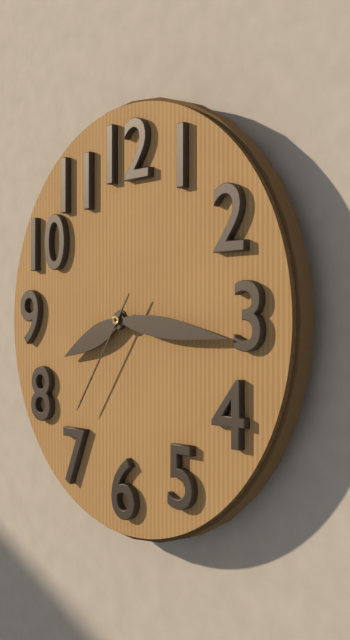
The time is {"hour": 8, "minute": 16, "second": 36}
